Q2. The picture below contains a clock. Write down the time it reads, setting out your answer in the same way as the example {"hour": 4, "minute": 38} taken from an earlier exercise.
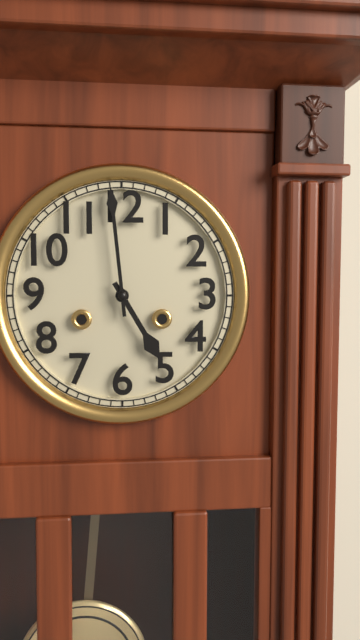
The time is {"hour": 4, "minute": 59}
